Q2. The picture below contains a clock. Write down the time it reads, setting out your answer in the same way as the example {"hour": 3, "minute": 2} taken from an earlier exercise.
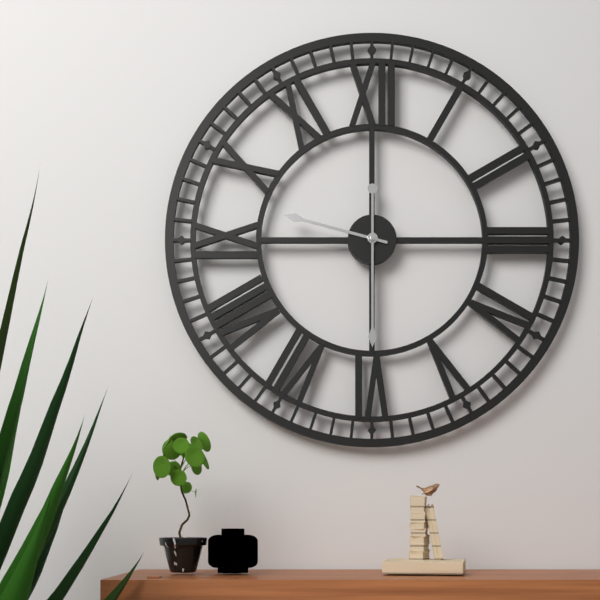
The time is {"hour": 9, "minute": 30}
